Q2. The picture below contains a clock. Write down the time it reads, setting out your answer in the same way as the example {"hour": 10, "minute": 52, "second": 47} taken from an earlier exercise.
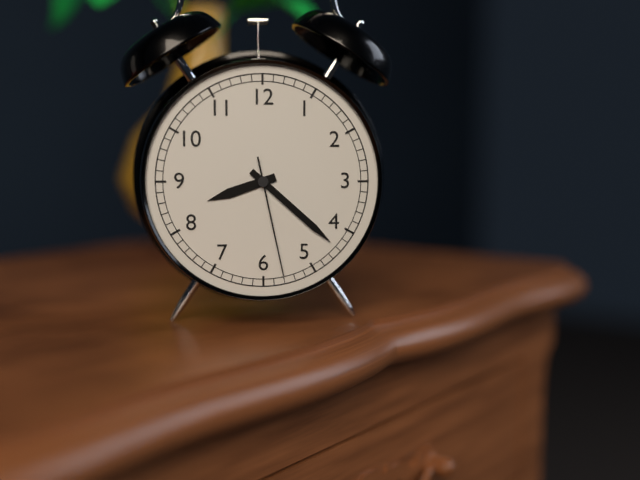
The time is {"hour": 8, "minute": 22, "second": 28}
